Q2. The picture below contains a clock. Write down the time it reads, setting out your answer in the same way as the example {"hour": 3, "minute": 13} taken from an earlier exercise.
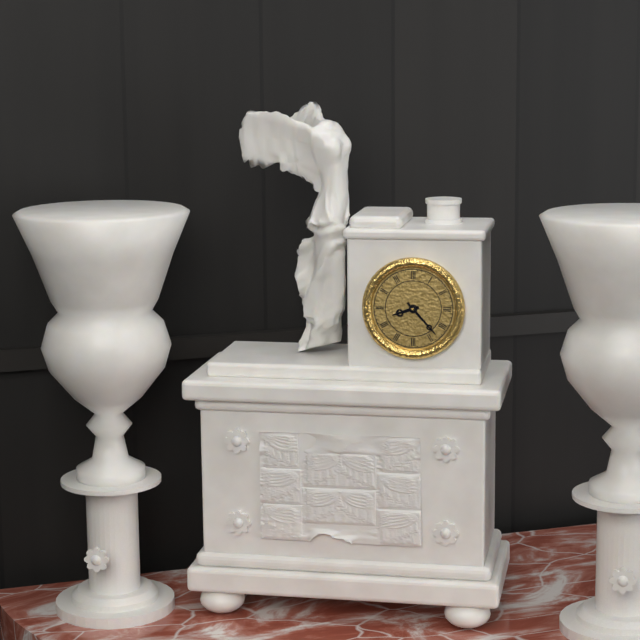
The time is {"hour": 8, "minute": 23}
